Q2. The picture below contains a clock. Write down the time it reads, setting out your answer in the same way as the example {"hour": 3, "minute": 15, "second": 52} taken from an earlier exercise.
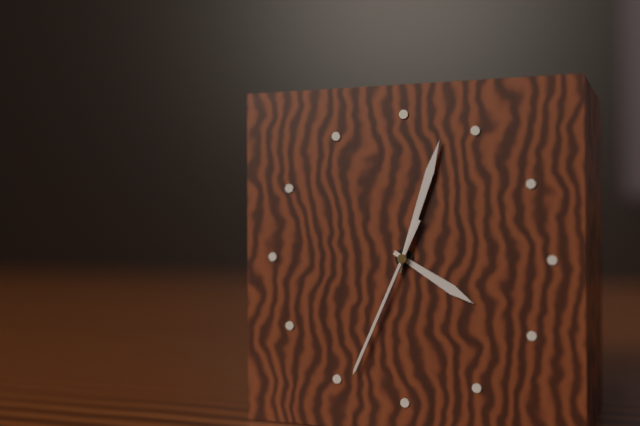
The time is {"hour": 4, "minute": 3, "second": 34}
